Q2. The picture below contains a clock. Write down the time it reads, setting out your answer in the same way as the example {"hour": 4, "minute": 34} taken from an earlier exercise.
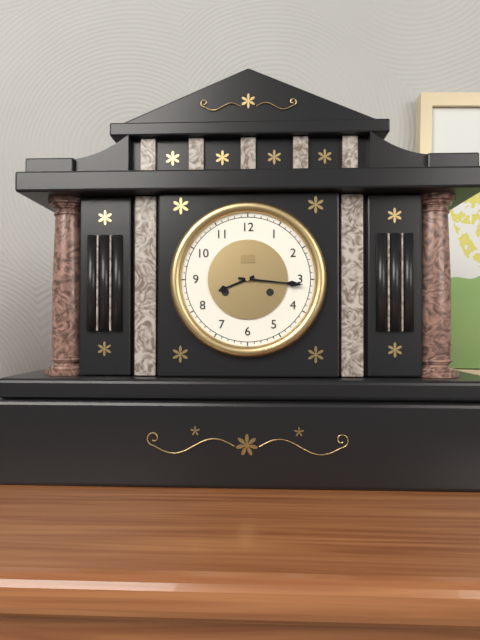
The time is {"hour": 8, "minute": 16}
